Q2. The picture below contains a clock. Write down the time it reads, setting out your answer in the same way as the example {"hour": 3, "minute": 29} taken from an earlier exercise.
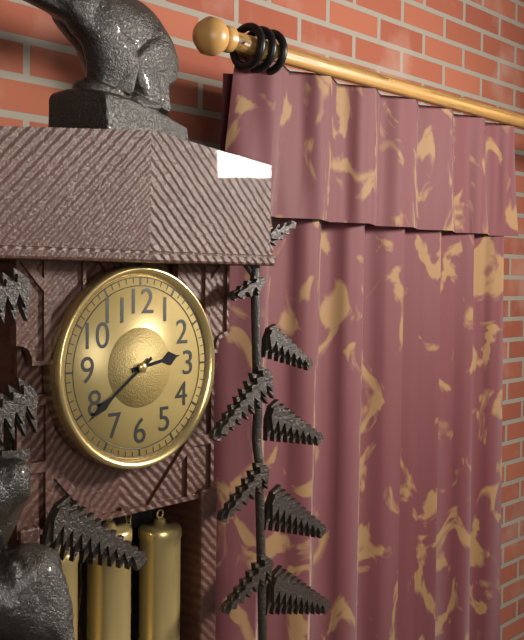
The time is {"hour": 2, "minute": 39}
